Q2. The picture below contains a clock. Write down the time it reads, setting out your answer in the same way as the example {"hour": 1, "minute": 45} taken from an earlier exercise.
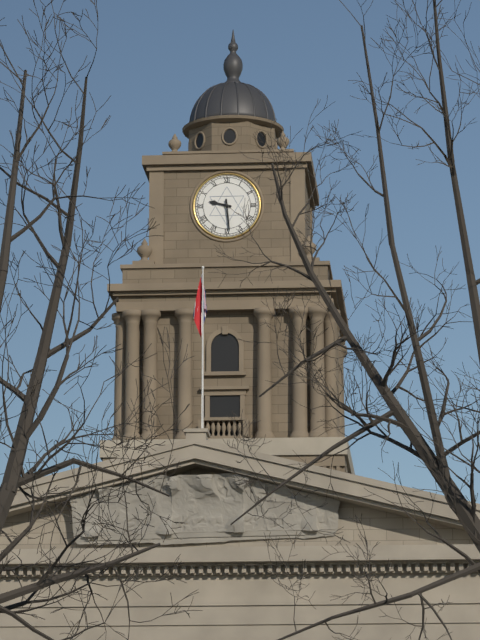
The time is {"hour": 9, "minute": 29}
